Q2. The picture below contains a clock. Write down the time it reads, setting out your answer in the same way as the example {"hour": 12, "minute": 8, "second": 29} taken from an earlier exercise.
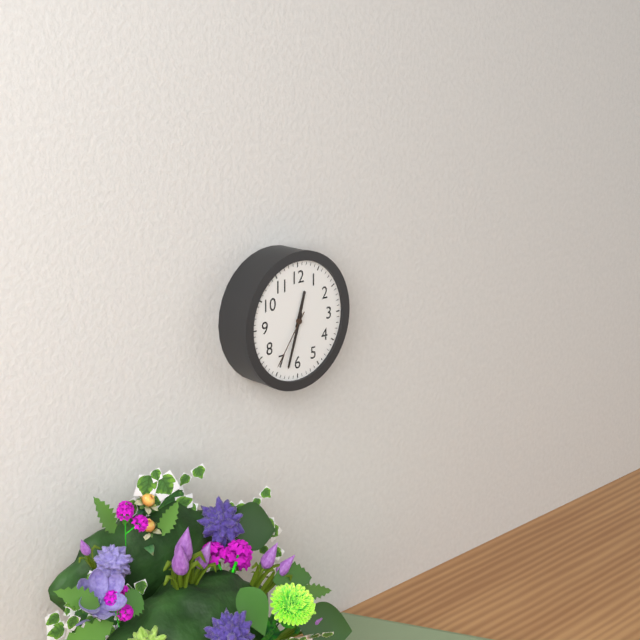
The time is {"hour": 12, "minute": 33, "second": 36}
